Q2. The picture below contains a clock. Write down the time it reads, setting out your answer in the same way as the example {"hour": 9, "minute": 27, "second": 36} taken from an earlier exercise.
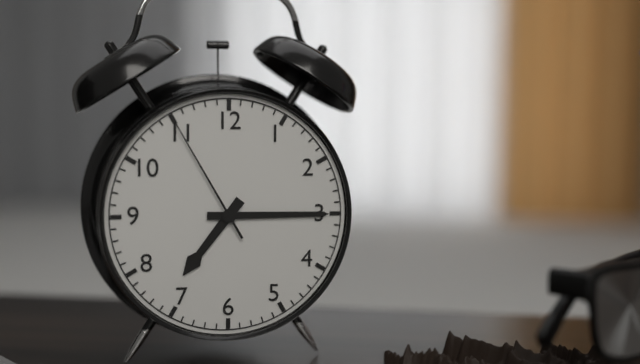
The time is {"hour": 7, "minute": 15, "second": 55}
